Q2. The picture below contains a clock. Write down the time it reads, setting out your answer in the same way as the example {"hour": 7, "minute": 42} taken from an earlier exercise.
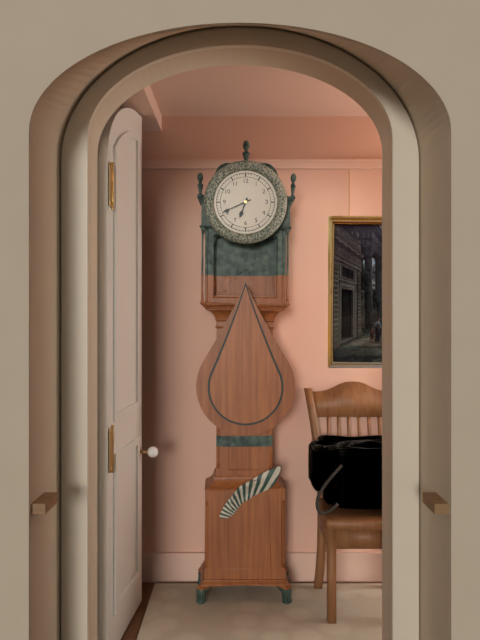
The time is {"hour": 6, "minute": 41}
